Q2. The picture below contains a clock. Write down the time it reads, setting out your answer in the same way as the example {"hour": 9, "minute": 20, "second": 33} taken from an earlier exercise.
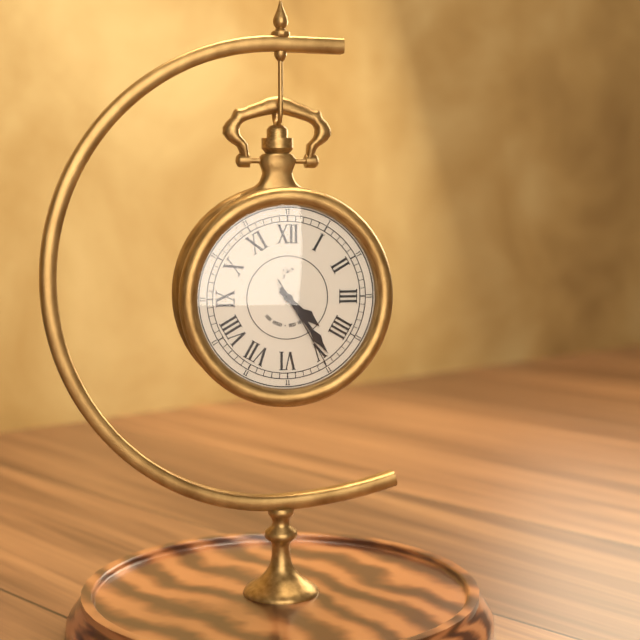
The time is {"hour": 4, "minute": 24, "second": 25}
